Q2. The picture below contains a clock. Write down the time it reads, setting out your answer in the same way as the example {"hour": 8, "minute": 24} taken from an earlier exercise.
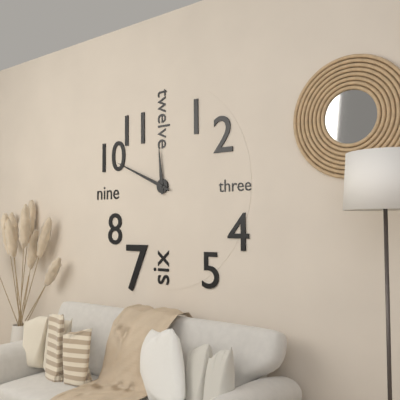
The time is {"hour": 11, "minute": 49}
